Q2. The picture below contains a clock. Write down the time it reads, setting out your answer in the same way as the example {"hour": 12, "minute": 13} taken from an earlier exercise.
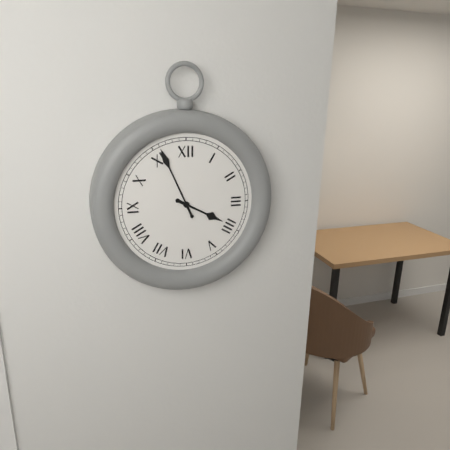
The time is {"hour": 3, "minute": 56}
